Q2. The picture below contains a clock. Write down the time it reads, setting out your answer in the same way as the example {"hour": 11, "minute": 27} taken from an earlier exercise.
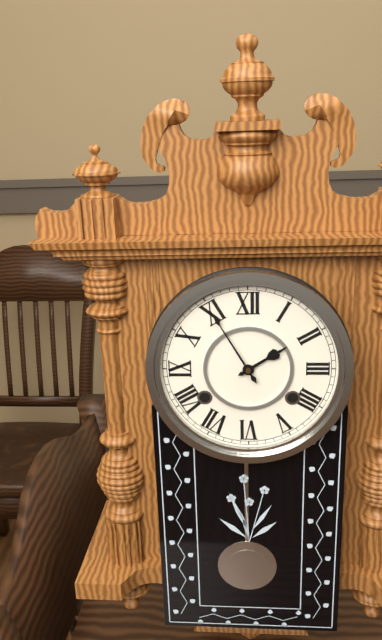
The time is {"hour": 1, "minute": 55}
